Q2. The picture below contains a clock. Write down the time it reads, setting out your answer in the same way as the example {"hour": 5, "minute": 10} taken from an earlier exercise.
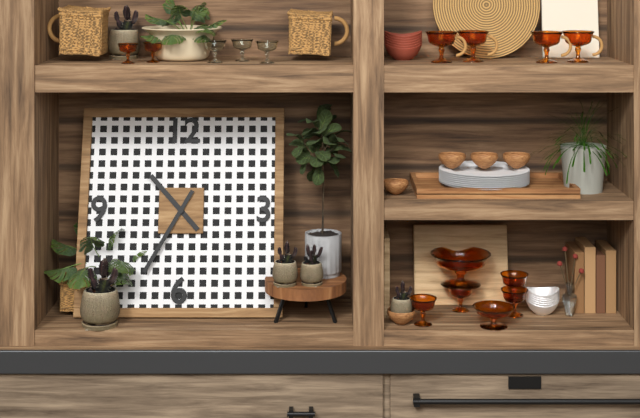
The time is {"hour": 10, "minute": 35}
